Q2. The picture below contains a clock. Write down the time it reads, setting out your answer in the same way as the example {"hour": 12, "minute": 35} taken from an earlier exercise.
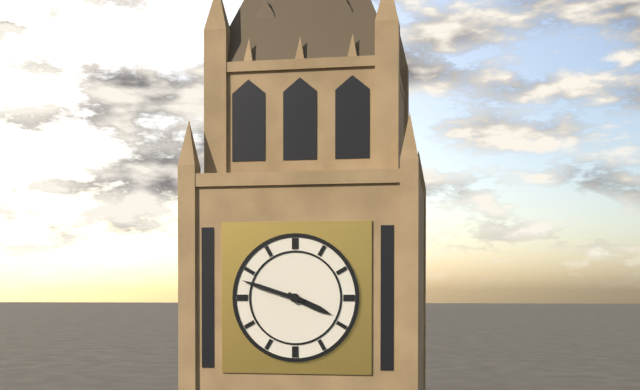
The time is {"hour": 3, "minute": 48}
